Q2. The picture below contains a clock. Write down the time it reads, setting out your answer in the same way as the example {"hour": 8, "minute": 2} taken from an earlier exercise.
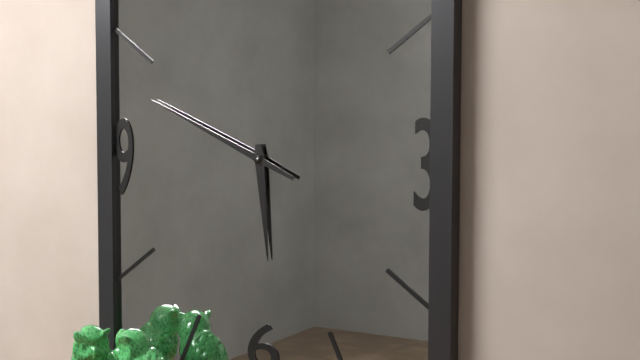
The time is {"hour": 5, "minute": 49}
